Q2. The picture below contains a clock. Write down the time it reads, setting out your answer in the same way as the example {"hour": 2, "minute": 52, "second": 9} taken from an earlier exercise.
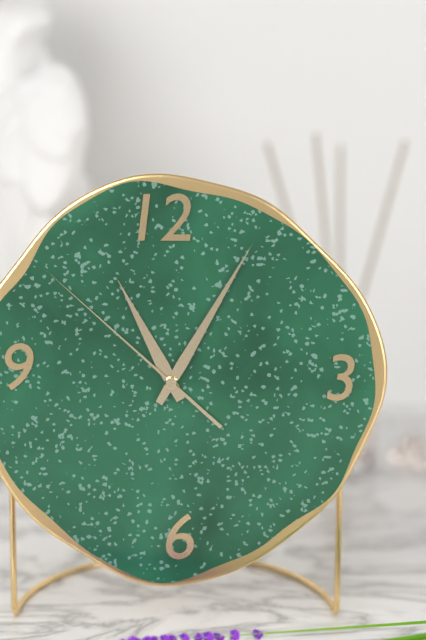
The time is {"hour": 11, "minute": 5, "second": 52}
